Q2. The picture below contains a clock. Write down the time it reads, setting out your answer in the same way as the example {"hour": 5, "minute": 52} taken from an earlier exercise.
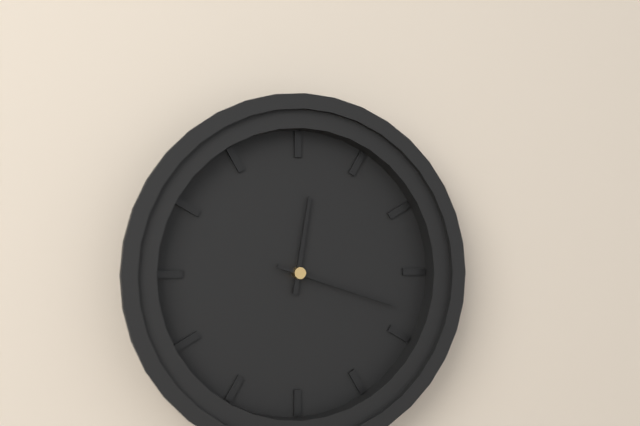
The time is {"hour": 12, "minute": 18}
